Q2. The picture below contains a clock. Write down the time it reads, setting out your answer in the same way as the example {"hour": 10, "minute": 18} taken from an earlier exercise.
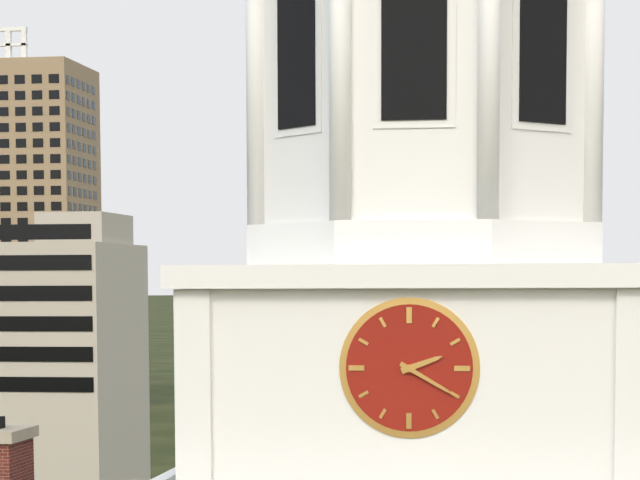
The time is {"hour": 2, "minute": 20}
